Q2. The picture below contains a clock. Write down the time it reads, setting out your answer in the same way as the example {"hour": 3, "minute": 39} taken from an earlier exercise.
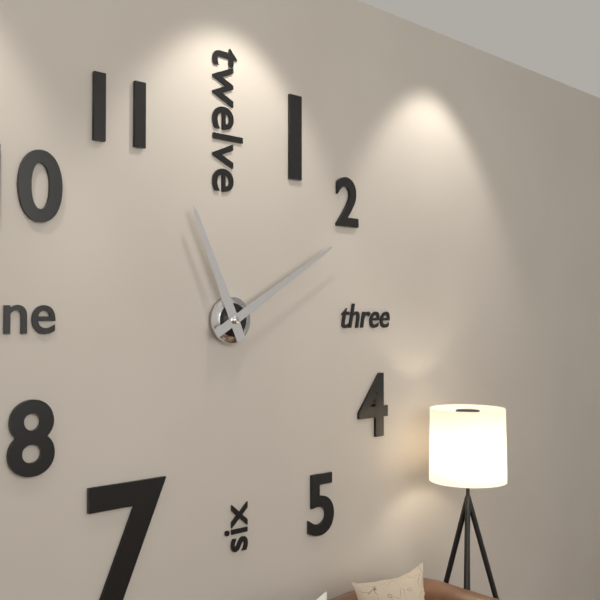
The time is {"hour": 11, "minute": 10}
